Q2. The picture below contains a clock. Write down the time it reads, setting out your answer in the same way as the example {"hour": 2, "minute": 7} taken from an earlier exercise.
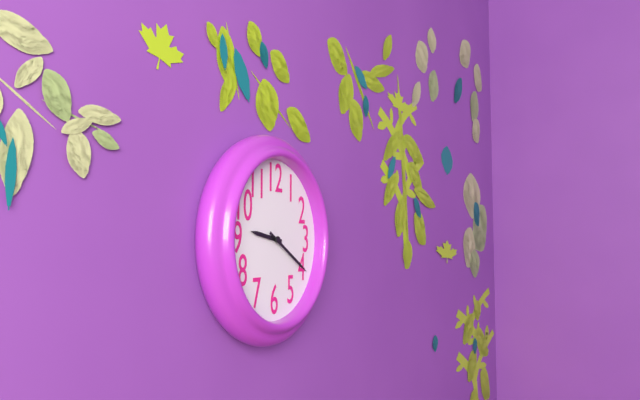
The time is {"hour": 9, "minute": 20}
